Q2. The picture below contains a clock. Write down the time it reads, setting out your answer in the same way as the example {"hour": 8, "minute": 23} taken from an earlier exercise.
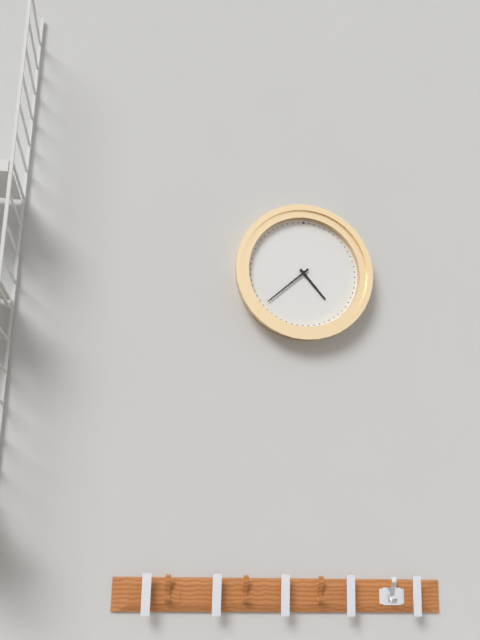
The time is {"hour": 4, "minute": 38}
